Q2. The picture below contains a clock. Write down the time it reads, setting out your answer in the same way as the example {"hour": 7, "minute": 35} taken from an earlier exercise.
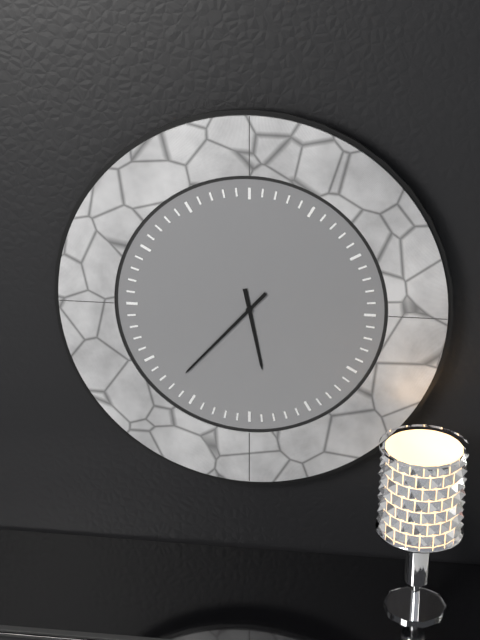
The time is {"hour": 5, "minute": 37}
